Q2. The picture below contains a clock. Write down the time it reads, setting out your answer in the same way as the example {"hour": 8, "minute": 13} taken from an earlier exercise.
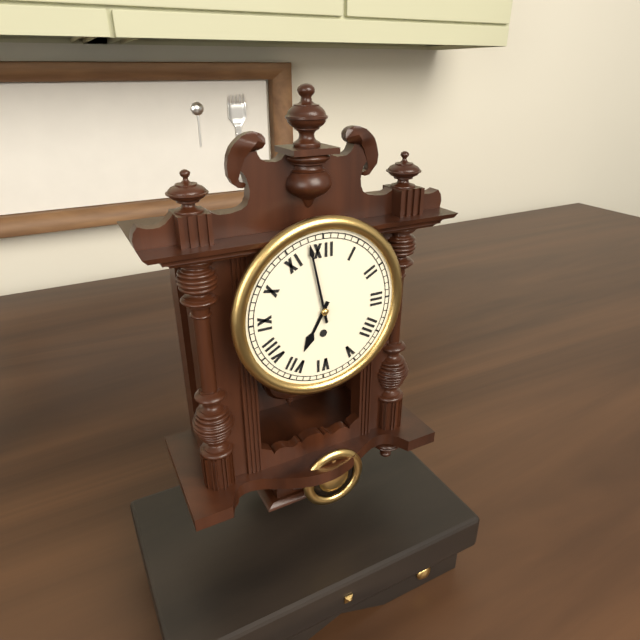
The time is {"hour": 6, "minute": 58}
